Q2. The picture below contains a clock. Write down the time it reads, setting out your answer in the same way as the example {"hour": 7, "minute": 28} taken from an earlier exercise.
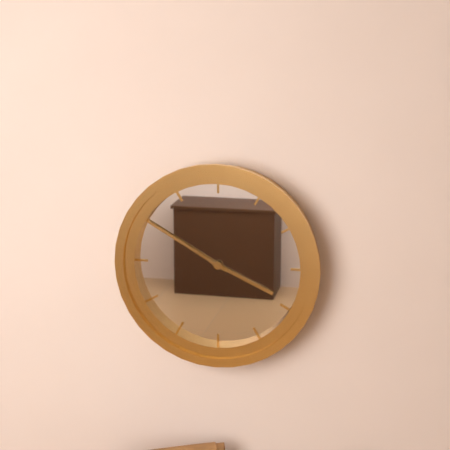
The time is {"hour": 3, "minute": 50}
